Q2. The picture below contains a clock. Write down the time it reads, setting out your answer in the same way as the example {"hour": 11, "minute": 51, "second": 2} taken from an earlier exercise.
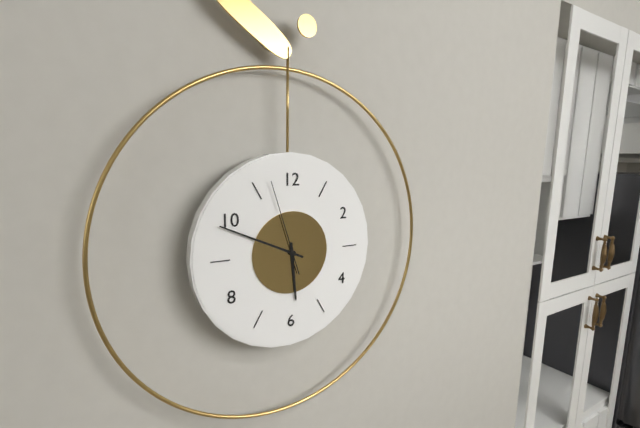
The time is {"hour": 5, "minute": 49, "second": 57}
